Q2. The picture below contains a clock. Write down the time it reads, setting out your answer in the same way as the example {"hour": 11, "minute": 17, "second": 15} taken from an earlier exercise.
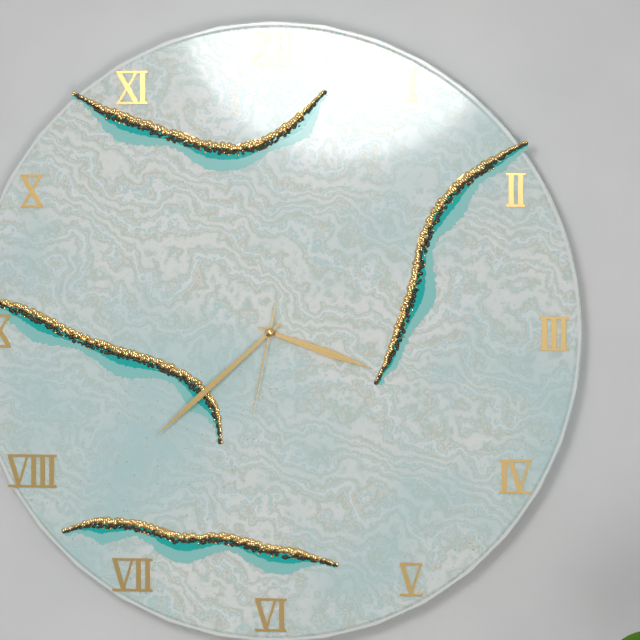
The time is {"hour": 3, "minute": 38, "second": 32}
